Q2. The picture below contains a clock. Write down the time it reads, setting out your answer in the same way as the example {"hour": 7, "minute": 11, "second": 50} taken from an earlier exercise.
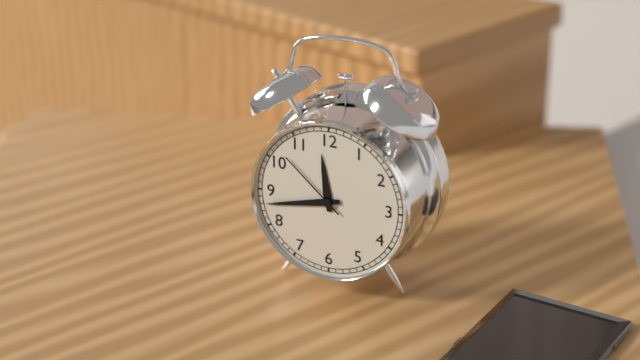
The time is {"hour": 11, "minute": 43, "second": 52}
